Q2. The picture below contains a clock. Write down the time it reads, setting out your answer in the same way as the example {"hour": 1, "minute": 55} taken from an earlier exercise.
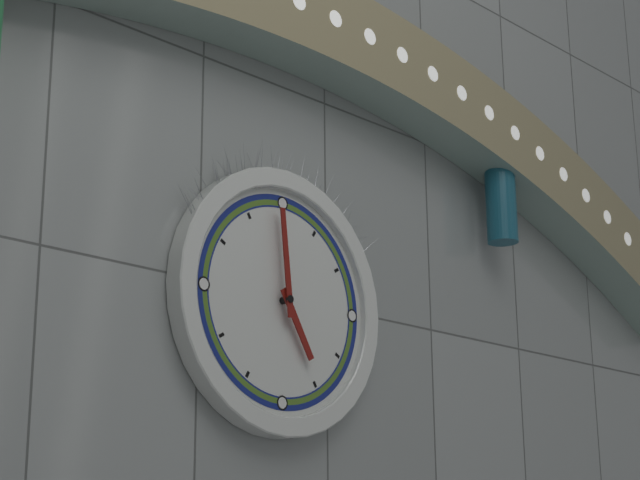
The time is {"hour": 4, "minute": 59}
